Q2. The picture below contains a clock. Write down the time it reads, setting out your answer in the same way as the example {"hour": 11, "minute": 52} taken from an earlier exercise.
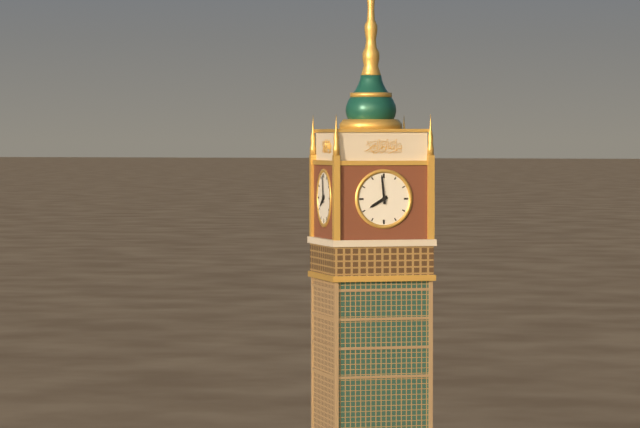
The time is {"hour": 7, "minute": 59}
